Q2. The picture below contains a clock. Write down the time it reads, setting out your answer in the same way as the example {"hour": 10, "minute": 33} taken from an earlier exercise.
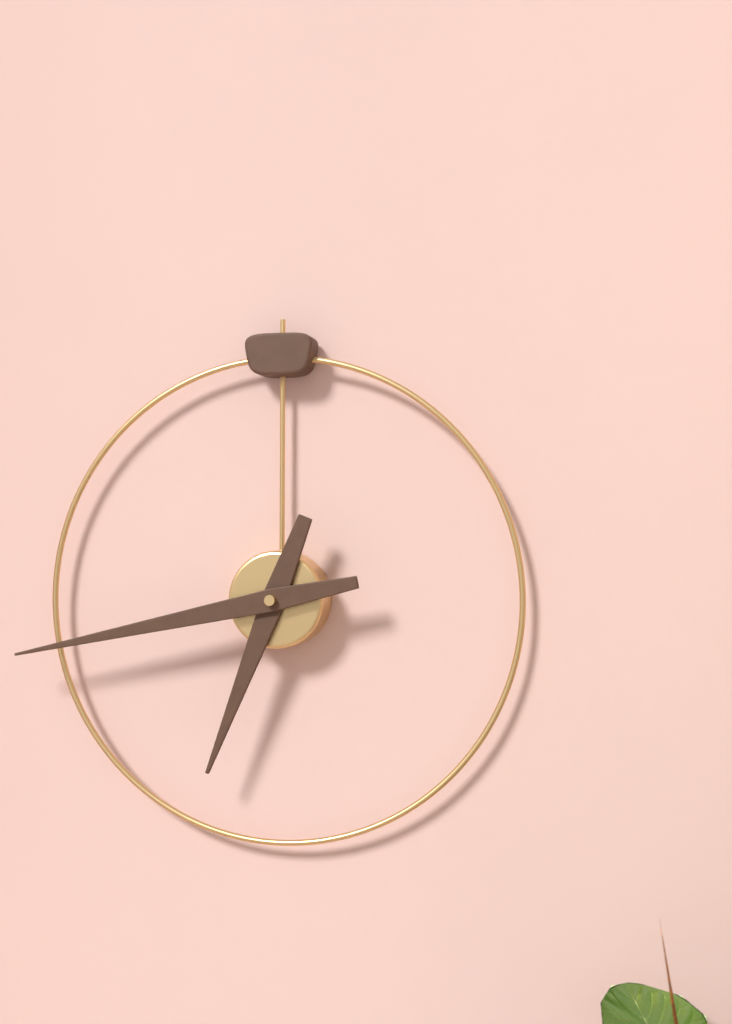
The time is {"hour": 6, "minute": 43}
